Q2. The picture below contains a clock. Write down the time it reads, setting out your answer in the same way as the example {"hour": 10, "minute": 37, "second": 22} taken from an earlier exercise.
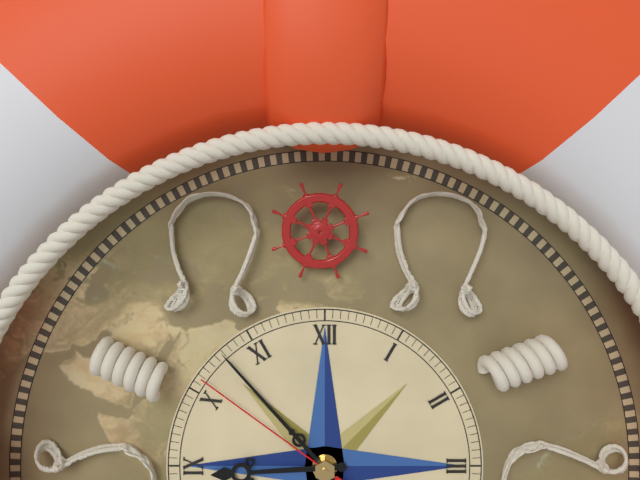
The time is {"hour": 8, "minute": 53, "second": 51}
